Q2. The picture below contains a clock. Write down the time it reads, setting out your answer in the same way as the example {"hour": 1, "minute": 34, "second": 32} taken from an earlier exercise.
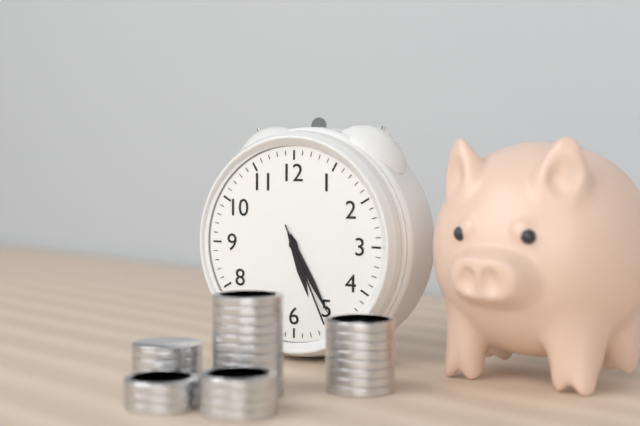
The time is {"hour": 5, "minute": 25, "second": 26}
